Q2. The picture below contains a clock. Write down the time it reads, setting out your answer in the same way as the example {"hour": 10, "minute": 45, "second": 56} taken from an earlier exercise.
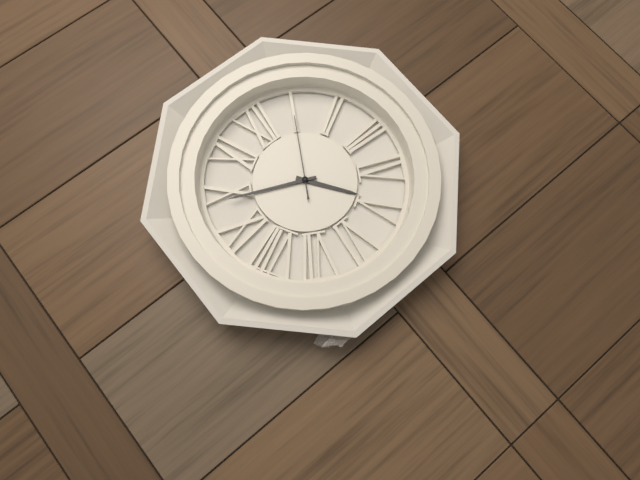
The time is {"hour": 4, "minute": 49, "second": 5}
